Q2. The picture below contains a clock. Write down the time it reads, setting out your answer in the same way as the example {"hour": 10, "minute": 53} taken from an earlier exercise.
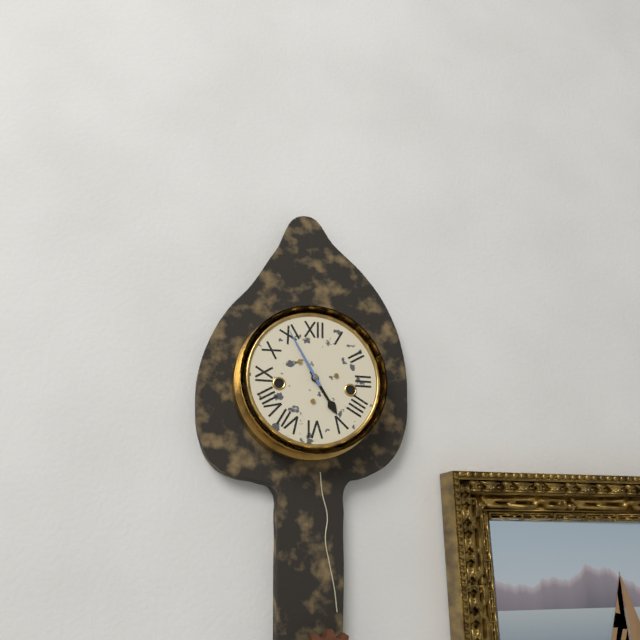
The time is {"hour": 4, "minute": 55}
